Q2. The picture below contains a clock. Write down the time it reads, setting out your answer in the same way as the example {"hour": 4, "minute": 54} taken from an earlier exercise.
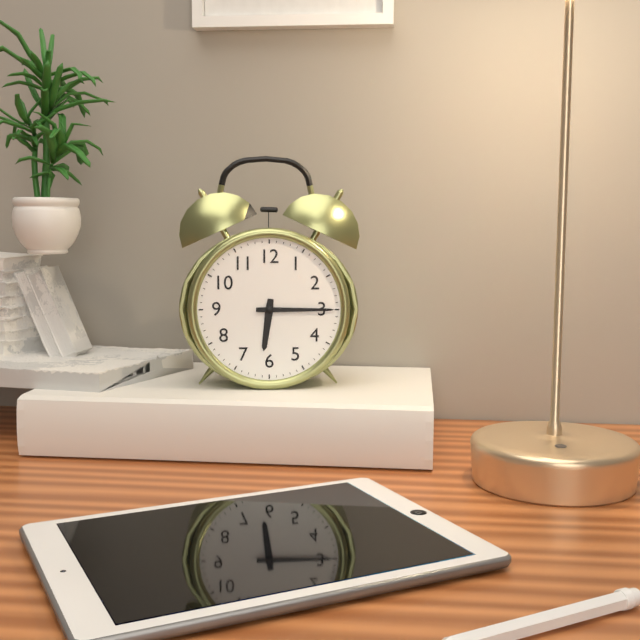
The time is {"hour": 6, "minute": 15}
